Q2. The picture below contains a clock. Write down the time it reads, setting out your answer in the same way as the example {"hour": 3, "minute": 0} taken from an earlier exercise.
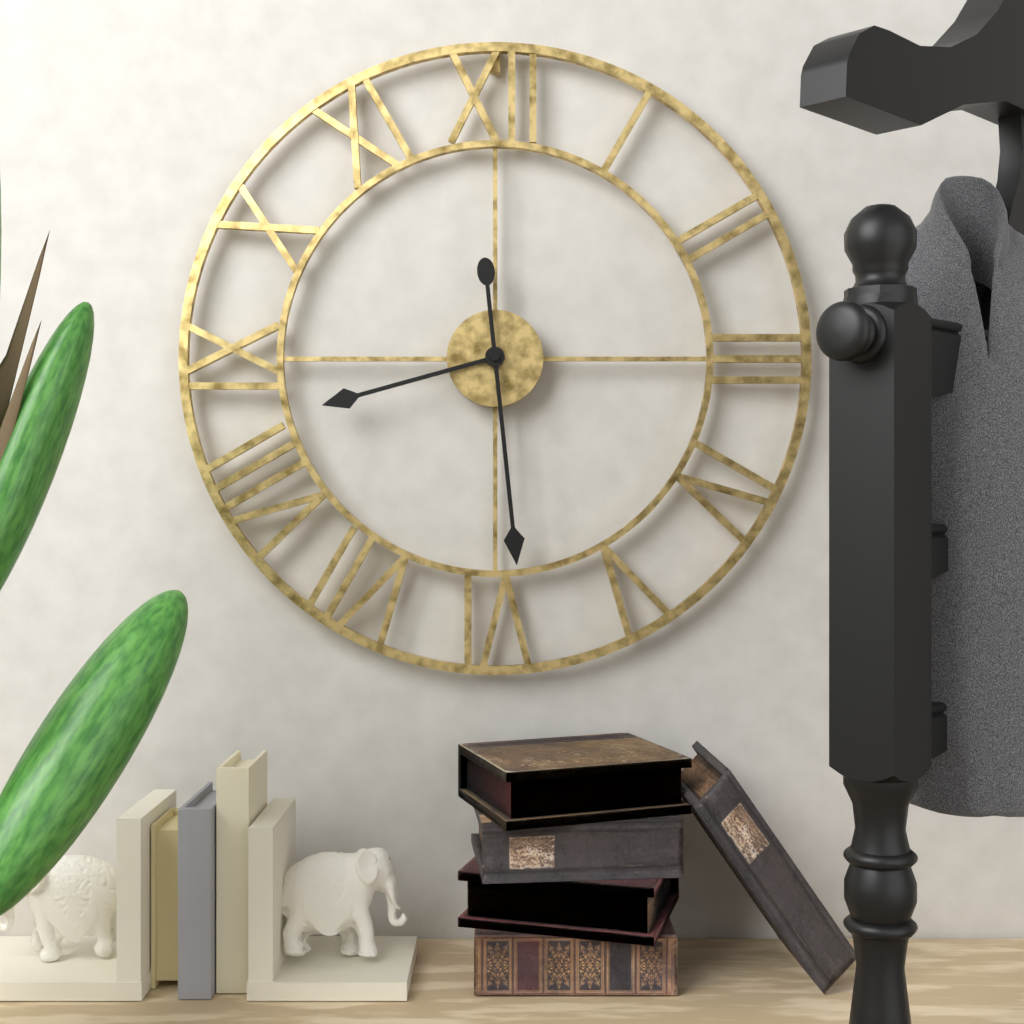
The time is {"hour": 8, "minute": 29}
